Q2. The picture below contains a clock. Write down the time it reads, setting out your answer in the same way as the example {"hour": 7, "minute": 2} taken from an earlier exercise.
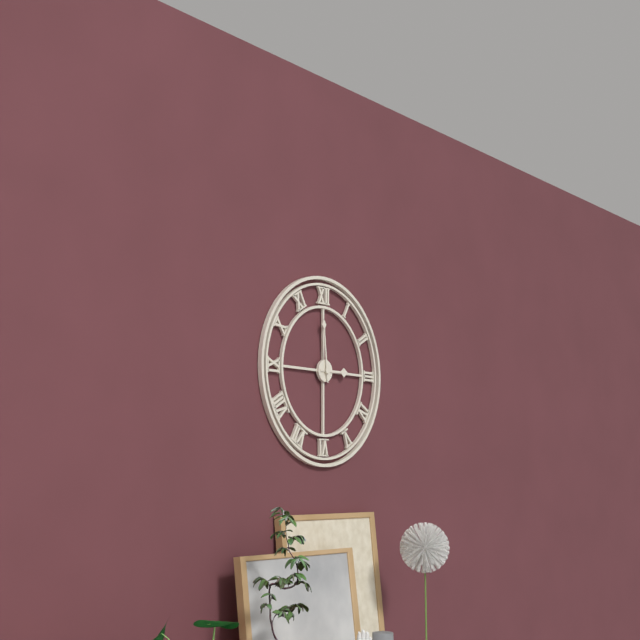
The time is {"hour": 2, "minute": 59}
